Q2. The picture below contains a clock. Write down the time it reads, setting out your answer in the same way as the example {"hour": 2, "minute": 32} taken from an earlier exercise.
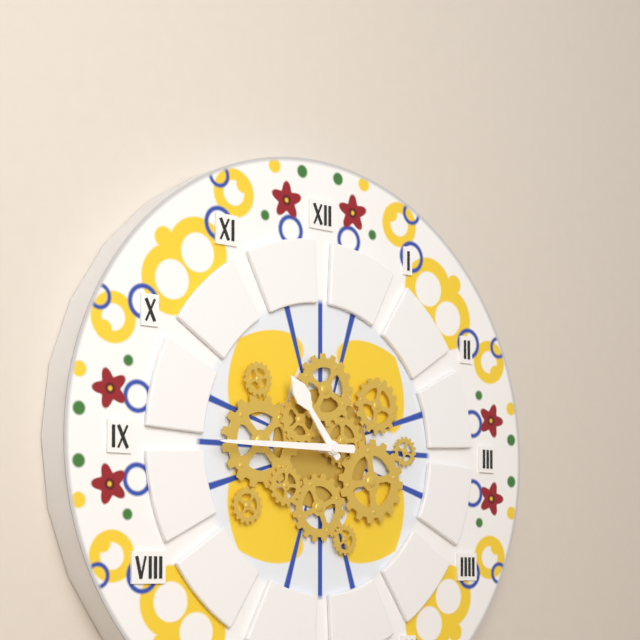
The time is {"hour": 10, "minute": 45}
